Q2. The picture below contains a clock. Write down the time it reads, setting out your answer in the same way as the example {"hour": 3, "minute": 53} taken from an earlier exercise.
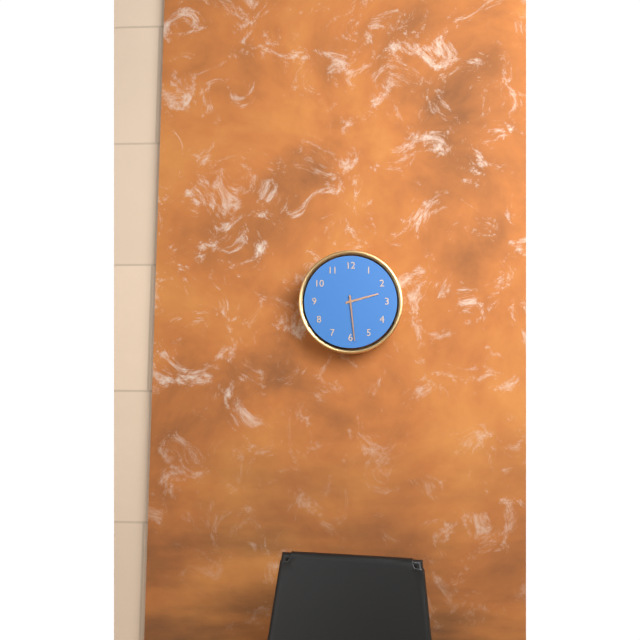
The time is {"hour": 2, "minute": 29}
